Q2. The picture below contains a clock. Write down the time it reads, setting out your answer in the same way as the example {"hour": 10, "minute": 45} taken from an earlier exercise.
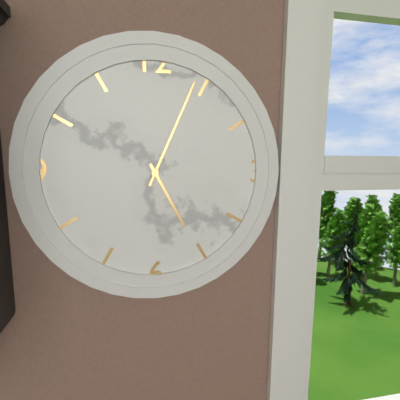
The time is {"hour": 5, "minute": 4}
